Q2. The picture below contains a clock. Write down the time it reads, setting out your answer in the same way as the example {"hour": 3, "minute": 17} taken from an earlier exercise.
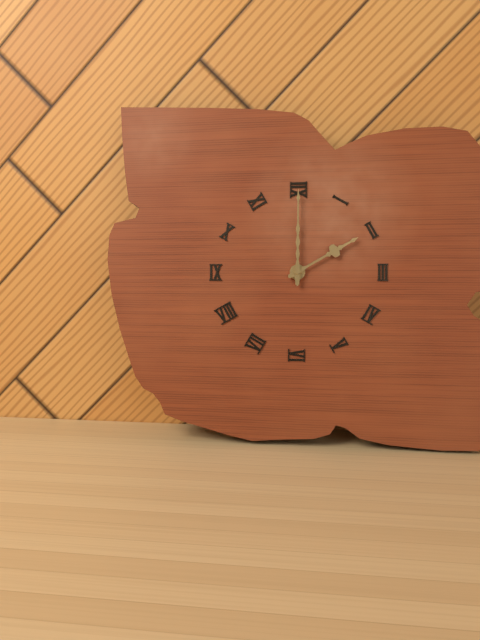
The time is {"hour": 2, "minute": 0}
